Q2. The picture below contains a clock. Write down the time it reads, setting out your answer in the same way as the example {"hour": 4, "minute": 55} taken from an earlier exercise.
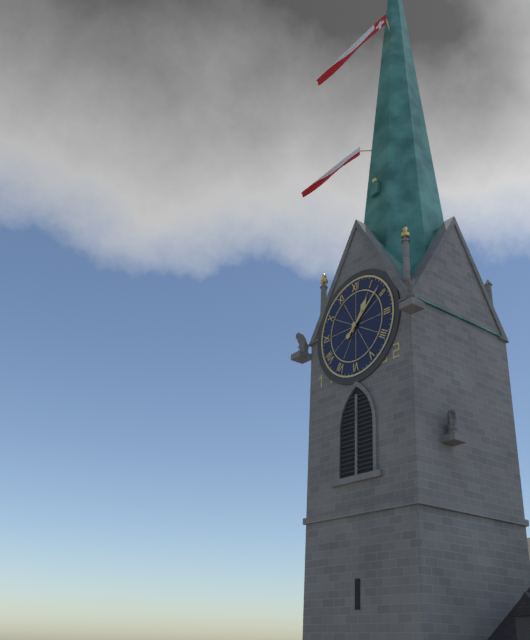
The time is {"hour": 1, "minute": 8}
